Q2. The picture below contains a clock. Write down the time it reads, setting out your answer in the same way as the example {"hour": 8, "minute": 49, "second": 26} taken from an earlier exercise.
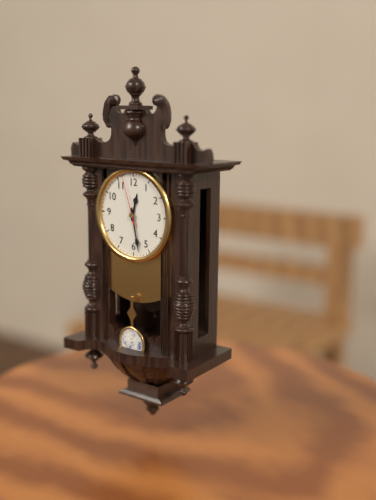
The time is {"hour": 12, "minute": 28, "second": 57}
